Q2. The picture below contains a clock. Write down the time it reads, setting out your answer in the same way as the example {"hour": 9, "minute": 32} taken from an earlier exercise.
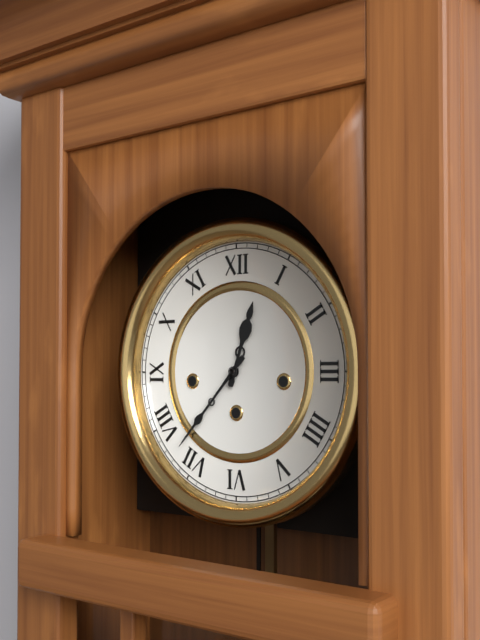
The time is {"hour": 12, "minute": 37}
